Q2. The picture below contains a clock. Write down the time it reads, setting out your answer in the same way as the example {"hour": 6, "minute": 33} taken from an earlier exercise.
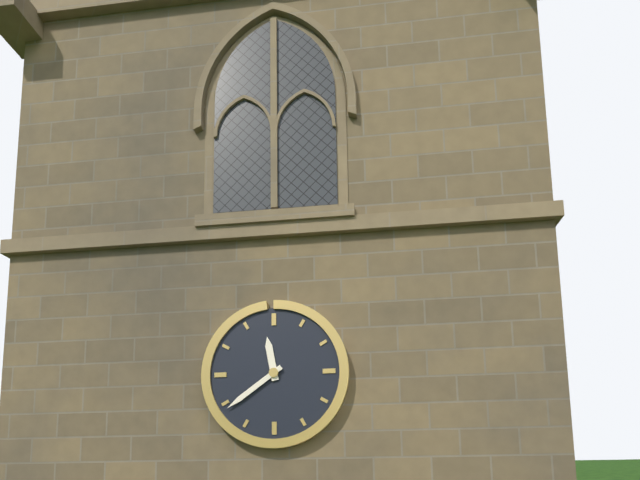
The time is {"hour": 11, "minute": 39}
